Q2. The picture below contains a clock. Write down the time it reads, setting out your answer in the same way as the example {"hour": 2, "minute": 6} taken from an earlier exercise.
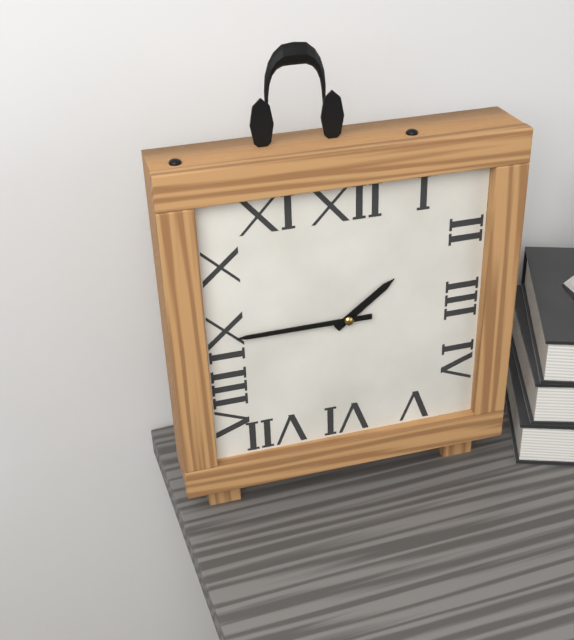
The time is {"hour": 1, "minute": 45}
